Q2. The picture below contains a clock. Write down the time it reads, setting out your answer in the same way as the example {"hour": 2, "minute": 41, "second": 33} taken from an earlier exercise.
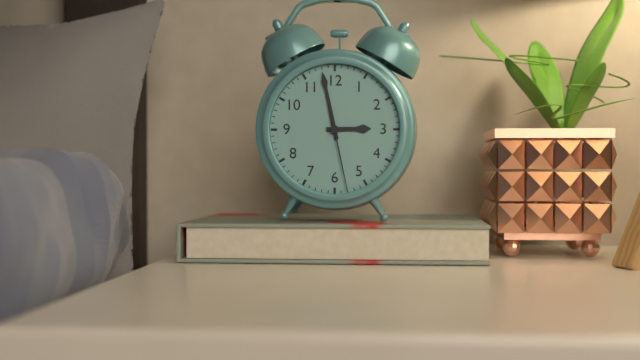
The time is {"hour": 2, "minute": 58, "second": 28}
